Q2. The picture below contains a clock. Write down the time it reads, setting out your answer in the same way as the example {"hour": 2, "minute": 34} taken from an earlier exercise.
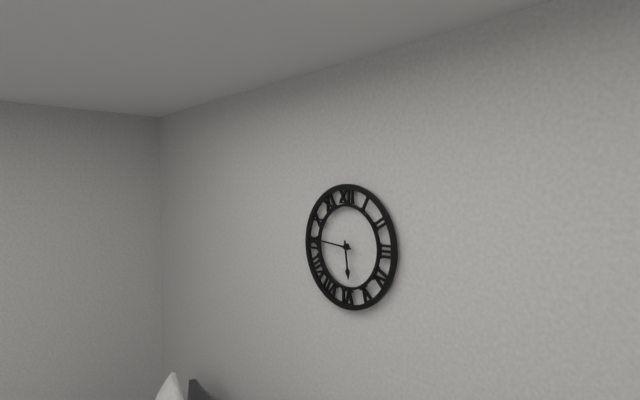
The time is {"hour": 5, "minute": 46}
